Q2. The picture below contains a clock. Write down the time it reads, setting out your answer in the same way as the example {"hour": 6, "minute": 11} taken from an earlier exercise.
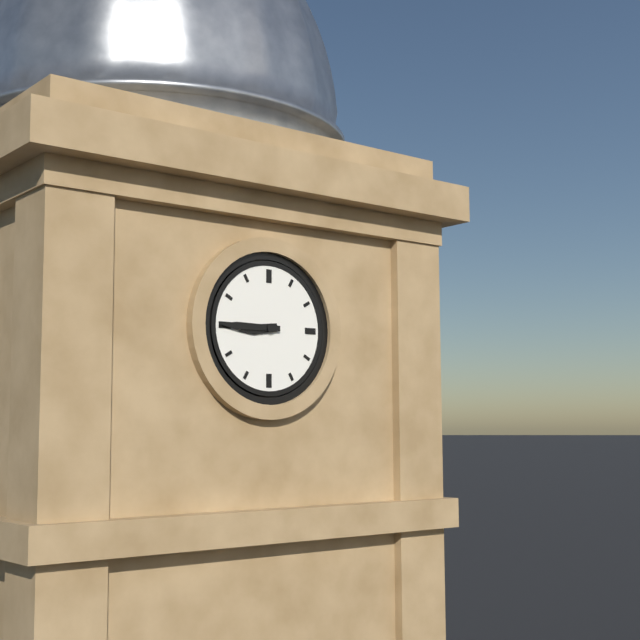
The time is {"hour": 8, "minute": 45}
